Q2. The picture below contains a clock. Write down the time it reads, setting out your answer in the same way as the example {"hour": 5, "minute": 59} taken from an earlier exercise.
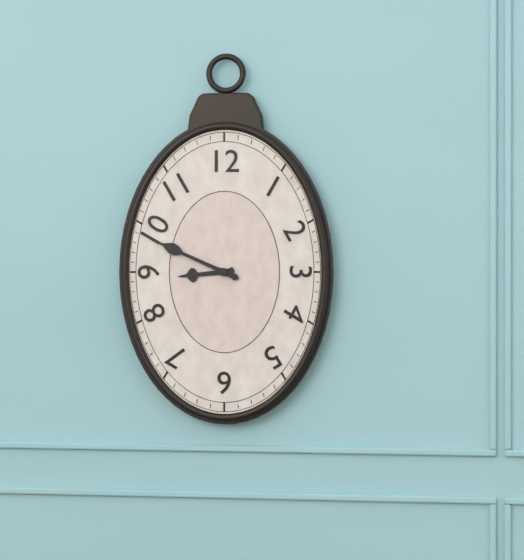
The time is {"hour": 8, "minute": 49}
